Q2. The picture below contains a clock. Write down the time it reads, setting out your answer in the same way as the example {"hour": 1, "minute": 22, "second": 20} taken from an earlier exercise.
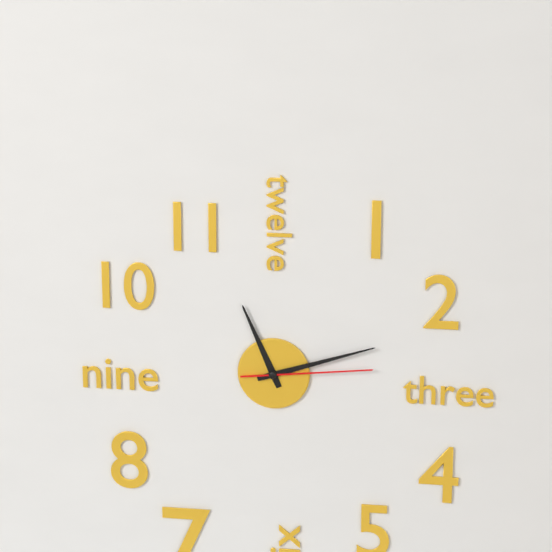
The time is {"hour": 11, "minute": 12, "second": 14}
